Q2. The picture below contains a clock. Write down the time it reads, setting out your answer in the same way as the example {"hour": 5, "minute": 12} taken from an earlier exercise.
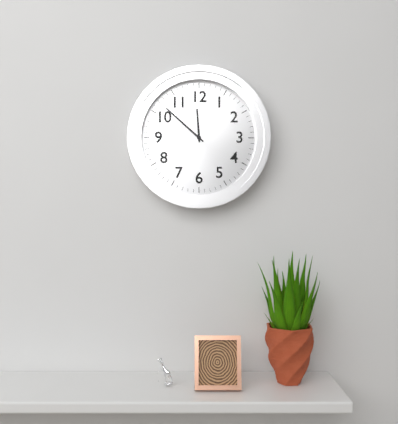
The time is {"hour": 11, "minute": 52}
